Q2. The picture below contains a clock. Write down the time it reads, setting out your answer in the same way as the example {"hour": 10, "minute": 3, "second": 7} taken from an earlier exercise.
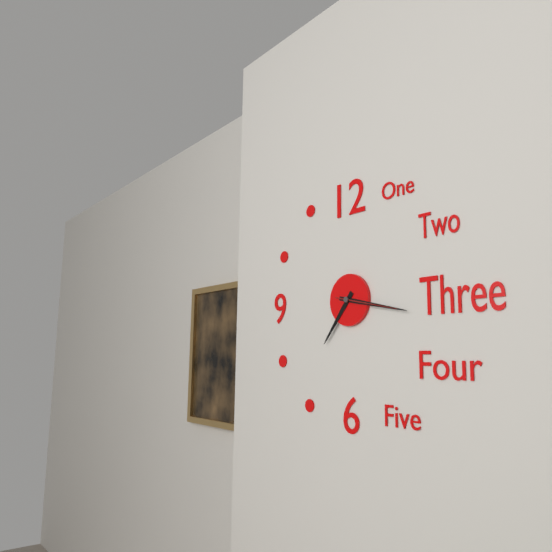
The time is {"hour": 7, "minute": 17, "second": 17}
